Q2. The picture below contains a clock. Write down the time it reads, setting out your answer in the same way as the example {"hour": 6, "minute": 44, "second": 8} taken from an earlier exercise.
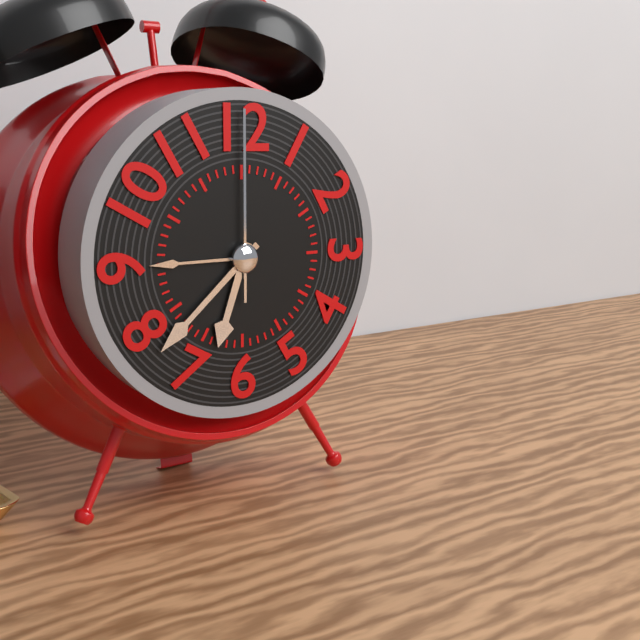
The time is {"hour": 6, "minute": 38, "second": 0}
